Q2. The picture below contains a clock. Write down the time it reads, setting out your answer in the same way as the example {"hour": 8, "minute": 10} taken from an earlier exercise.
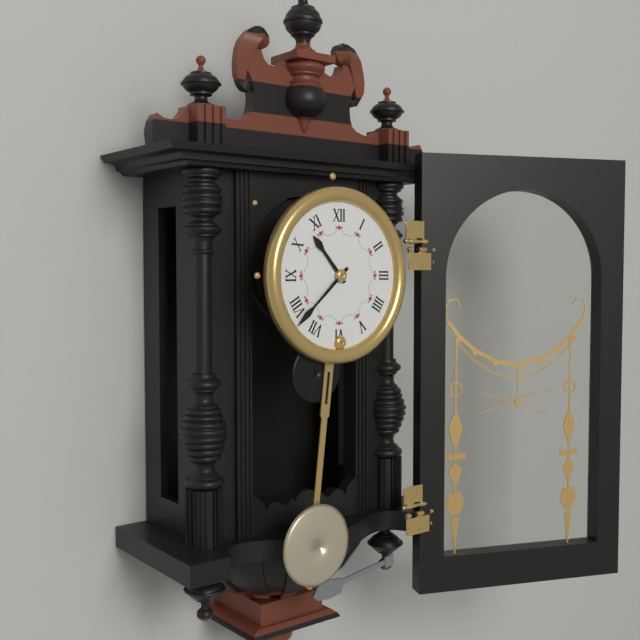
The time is {"hour": 10, "minute": 38}
